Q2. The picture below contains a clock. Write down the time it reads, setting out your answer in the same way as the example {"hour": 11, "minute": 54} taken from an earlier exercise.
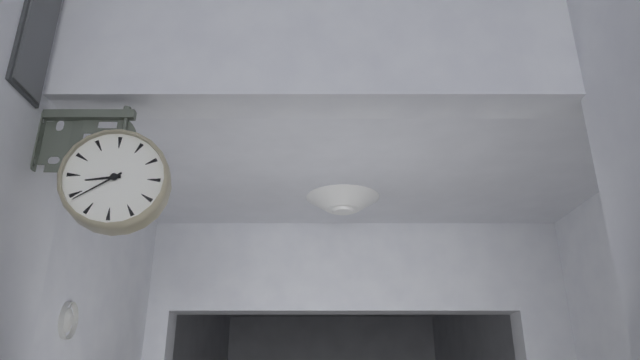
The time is {"hour": 8, "minute": 39}
